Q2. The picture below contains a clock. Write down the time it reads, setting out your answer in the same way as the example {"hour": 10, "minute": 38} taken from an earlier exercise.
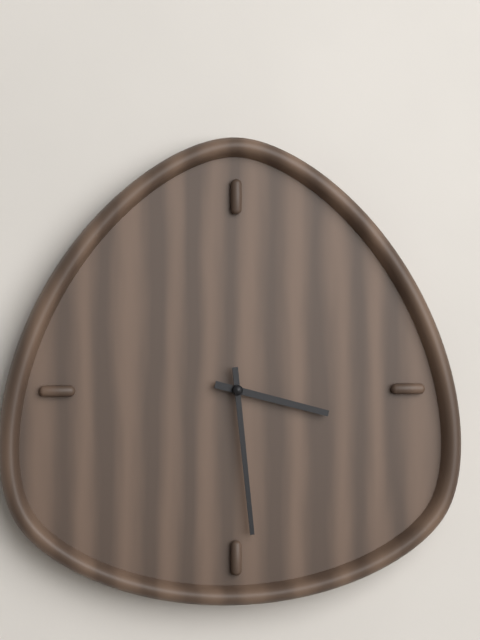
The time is {"hour": 3, "minute": 29}
